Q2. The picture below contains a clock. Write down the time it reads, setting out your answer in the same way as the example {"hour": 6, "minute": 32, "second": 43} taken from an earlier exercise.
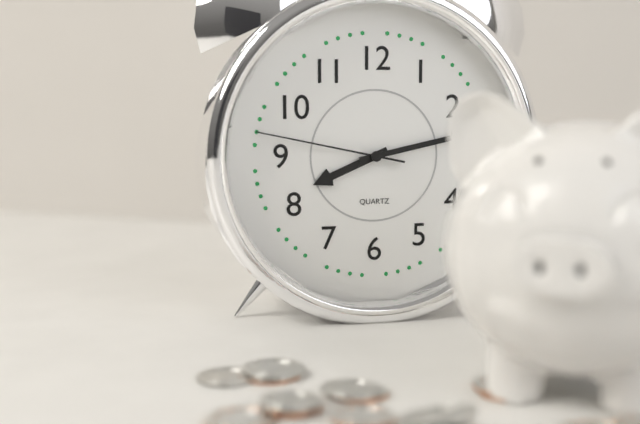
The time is {"hour": 8, "minute": 13, "second": 47}
